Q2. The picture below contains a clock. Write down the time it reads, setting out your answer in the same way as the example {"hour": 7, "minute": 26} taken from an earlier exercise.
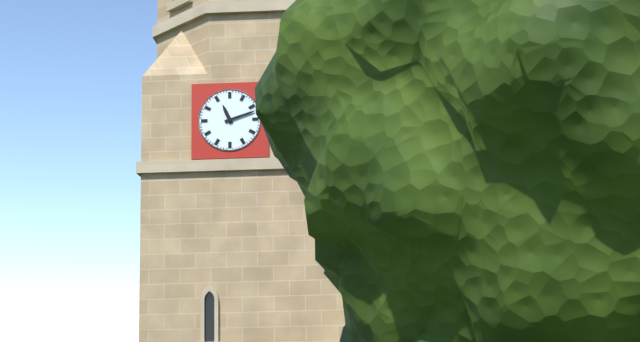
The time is {"hour": 11, "minute": 12}
